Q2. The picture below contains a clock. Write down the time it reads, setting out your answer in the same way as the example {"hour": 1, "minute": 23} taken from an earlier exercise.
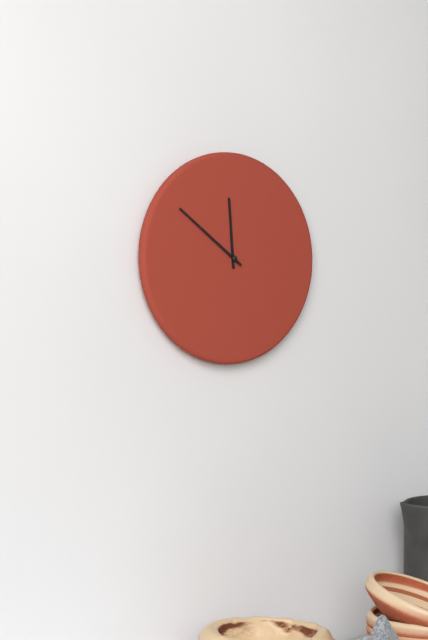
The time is {"hour": 11, "minute": 51}
